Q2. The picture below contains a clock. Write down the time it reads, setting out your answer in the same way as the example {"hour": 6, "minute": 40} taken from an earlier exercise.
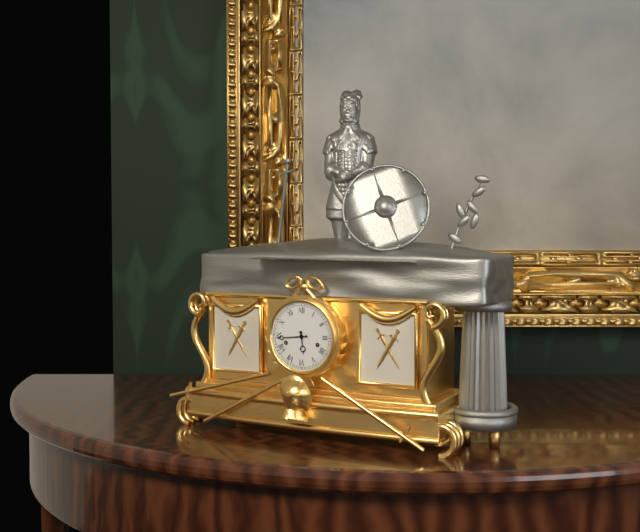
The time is {"hour": 5, "minute": 44}
